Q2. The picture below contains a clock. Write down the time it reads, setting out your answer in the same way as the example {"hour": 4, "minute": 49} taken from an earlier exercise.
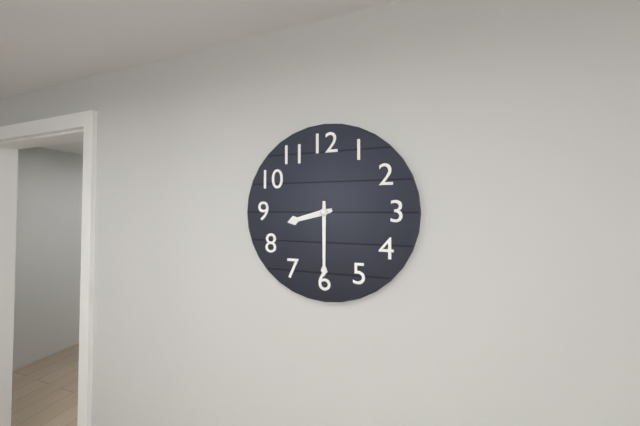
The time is {"hour": 8, "minute": 30}
